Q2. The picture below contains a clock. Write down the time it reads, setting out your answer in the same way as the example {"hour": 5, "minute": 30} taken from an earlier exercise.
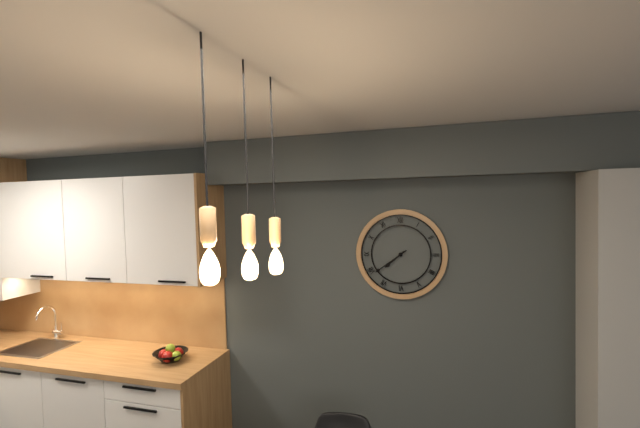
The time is {"hour": 7, "minute": 39}
